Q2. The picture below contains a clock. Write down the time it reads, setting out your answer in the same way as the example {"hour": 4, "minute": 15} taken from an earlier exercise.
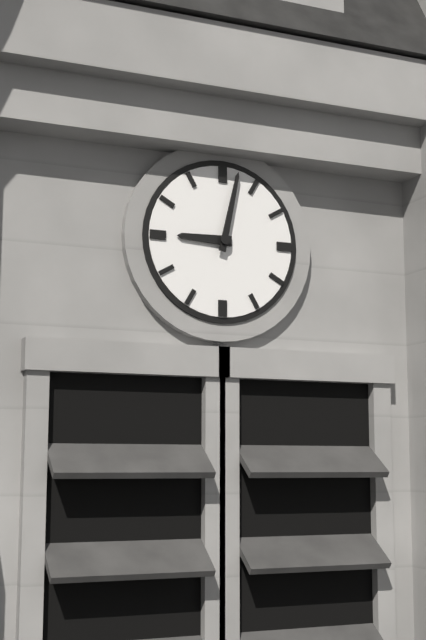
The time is {"hour": 9, "minute": 2}
